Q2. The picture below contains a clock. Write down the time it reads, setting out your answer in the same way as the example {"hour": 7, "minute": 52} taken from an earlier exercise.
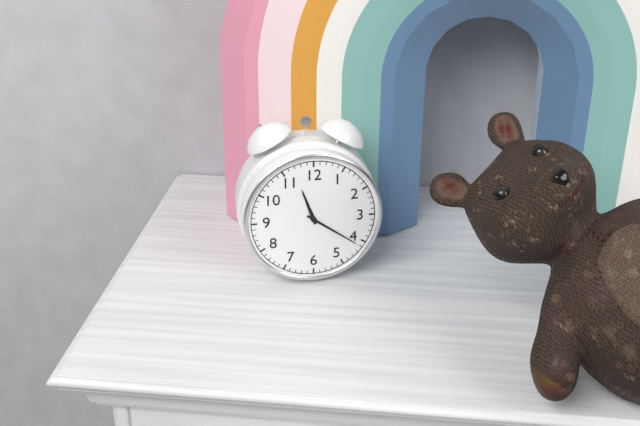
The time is {"hour": 11, "minute": 21}
